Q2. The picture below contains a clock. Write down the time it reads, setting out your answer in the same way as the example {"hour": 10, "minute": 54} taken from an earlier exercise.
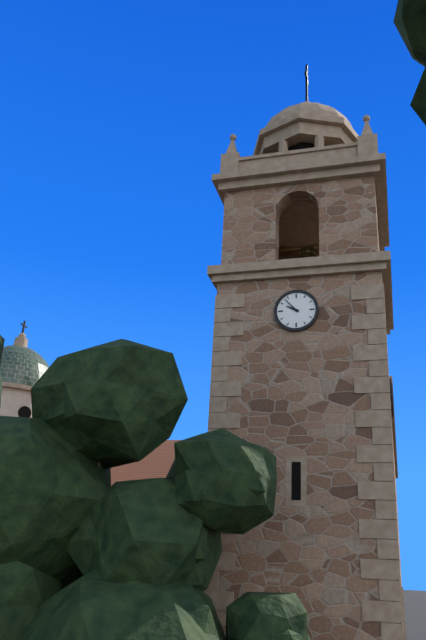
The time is {"hour": 9, "minute": 53}
